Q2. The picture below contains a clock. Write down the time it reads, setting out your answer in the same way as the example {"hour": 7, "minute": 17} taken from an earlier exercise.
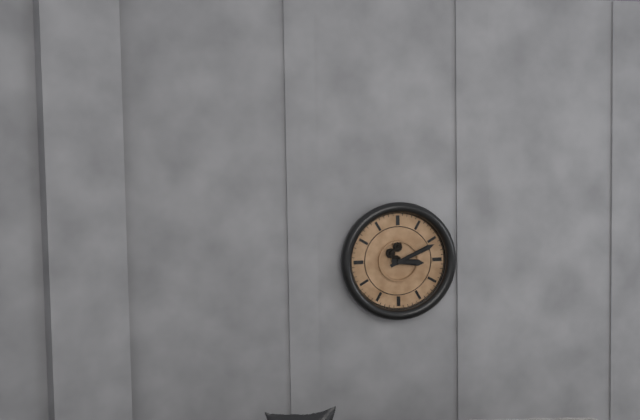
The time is {"hour": 3, "minute": 11}
